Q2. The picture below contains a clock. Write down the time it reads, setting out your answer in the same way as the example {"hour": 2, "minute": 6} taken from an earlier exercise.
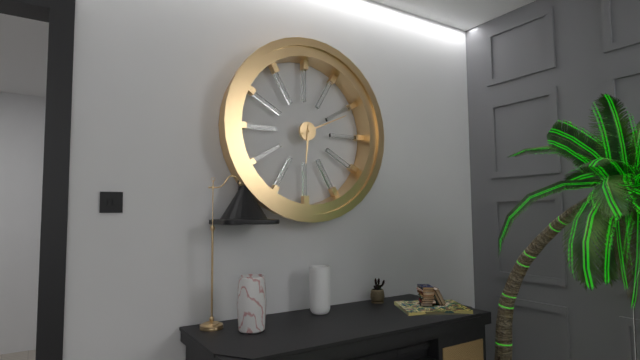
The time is {"hour": 6, "minute": 11}
